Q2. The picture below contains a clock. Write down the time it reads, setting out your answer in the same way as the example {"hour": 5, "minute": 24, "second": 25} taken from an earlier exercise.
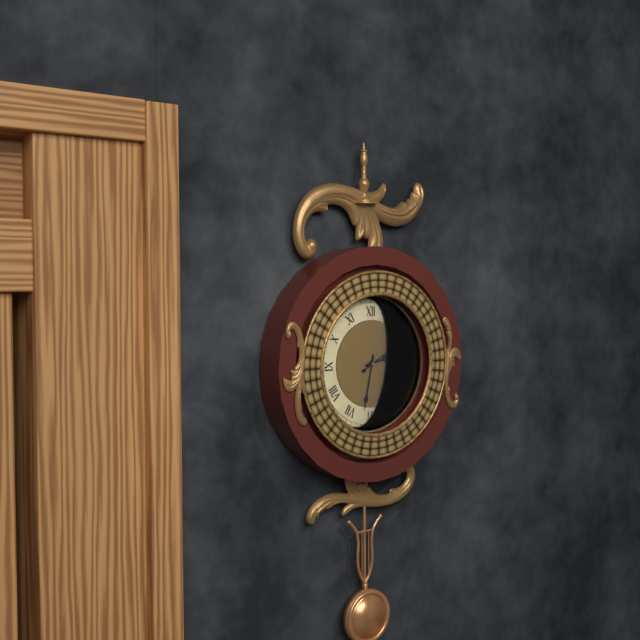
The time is {"hour": 2, "minute": 32, "second": 10}
